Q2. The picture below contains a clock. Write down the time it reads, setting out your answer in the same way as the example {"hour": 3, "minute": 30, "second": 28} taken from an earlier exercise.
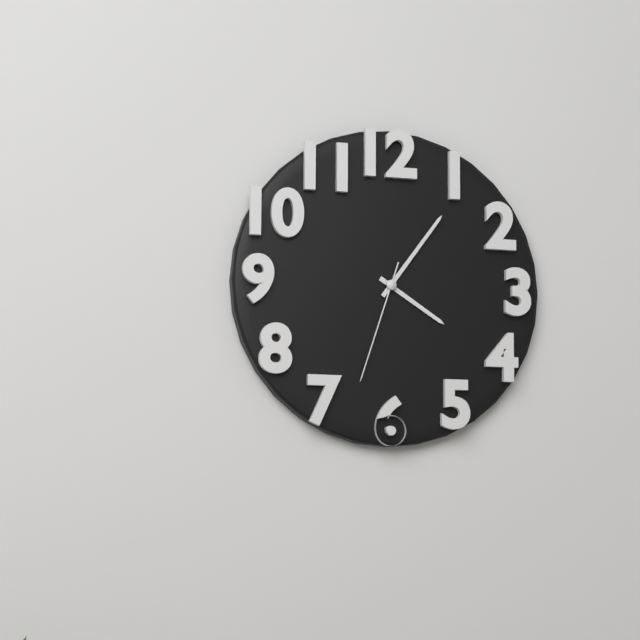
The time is {"hour": 4, "minute": 6, "second": 33}
